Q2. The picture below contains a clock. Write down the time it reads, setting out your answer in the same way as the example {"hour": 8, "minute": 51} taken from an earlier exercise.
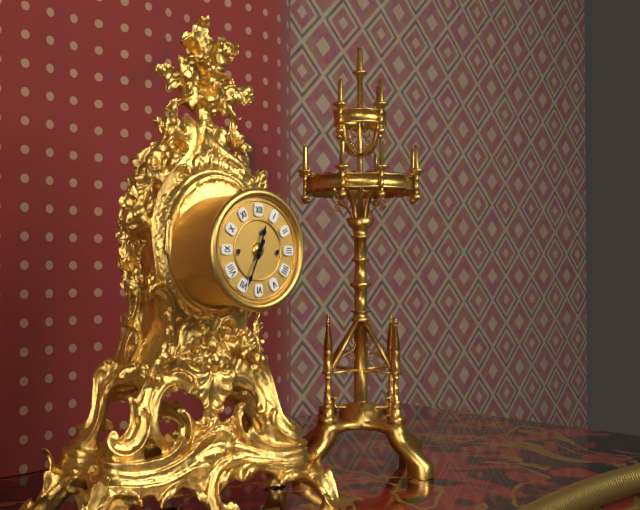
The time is {"hour": 12, "minute": 34}
